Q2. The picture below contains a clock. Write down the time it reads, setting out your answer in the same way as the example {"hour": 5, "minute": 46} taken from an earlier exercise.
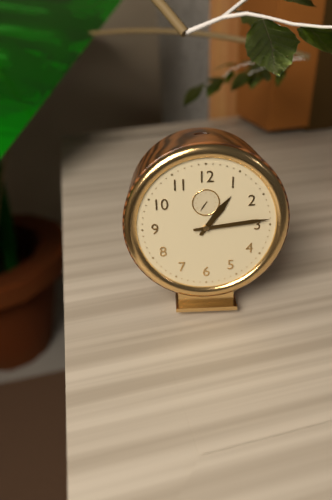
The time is {"hour": 1, "minute": 14}
